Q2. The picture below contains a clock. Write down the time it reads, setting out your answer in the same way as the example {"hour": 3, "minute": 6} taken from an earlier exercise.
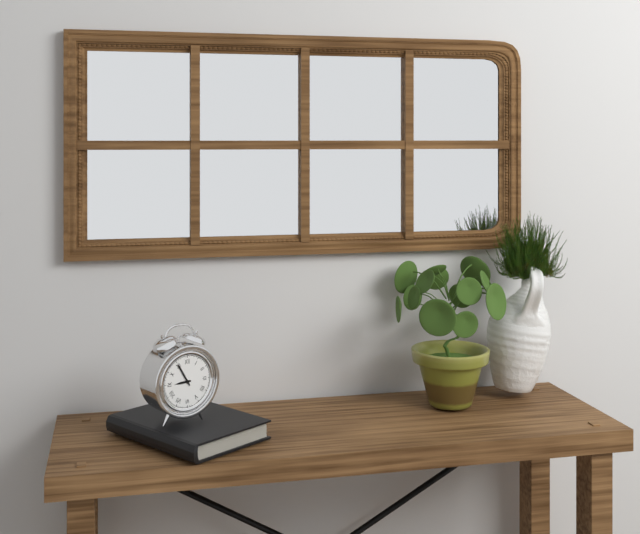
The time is {"hour": 8, "minute": 55}
